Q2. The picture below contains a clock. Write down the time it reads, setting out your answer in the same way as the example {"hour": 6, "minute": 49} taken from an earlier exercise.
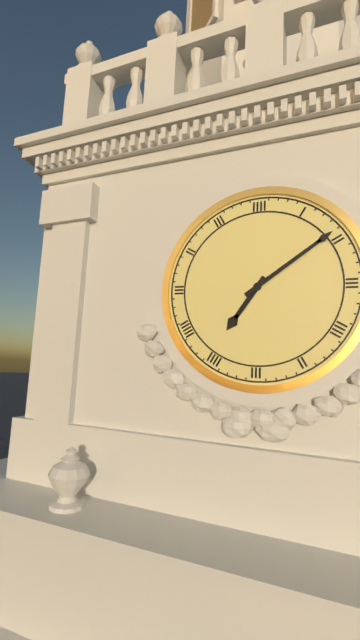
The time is {"hour": 7, "minute": 9}
